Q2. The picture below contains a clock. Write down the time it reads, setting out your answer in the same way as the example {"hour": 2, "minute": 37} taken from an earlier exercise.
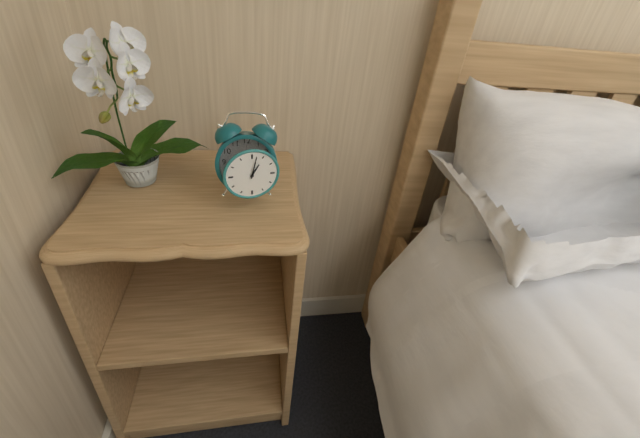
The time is {"hour": 1, "minute": 2}
